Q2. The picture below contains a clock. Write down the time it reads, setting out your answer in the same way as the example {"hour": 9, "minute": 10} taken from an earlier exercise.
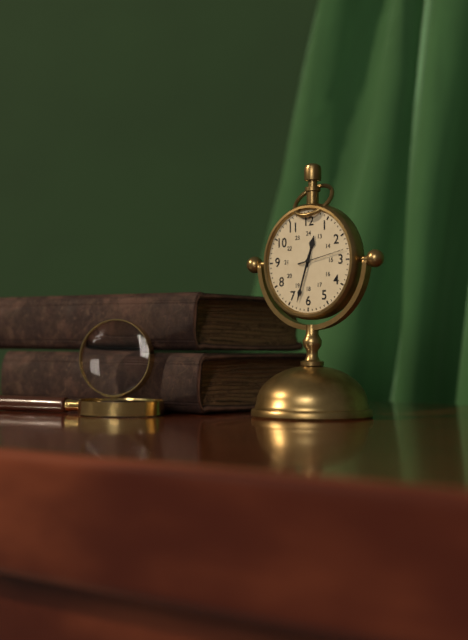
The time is {"hour": 12, "minute": 33}
